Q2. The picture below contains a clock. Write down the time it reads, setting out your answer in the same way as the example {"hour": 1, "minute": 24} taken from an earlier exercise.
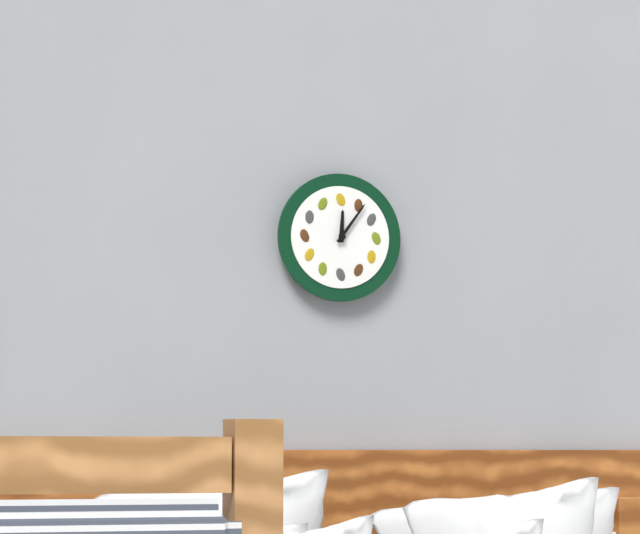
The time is {"hour": 12, "minute": 6}
